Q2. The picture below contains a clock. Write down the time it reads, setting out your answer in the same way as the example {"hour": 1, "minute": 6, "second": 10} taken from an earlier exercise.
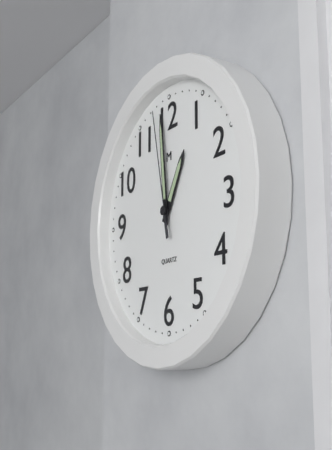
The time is {"hour": 12, "minute": 59, "second": 58}
